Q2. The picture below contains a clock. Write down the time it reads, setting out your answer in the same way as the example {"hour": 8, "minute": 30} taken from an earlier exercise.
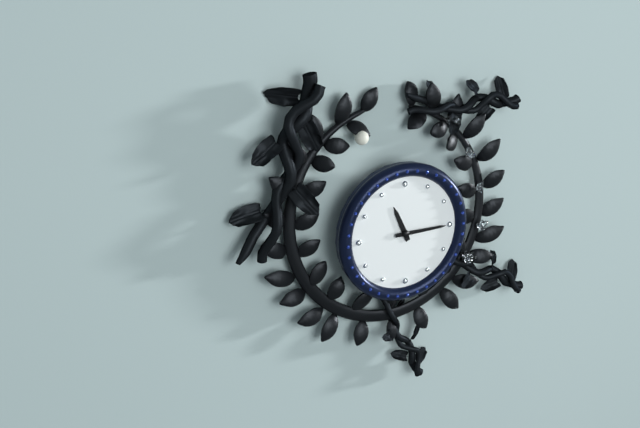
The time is {"hour": 11, "minute": 15}
